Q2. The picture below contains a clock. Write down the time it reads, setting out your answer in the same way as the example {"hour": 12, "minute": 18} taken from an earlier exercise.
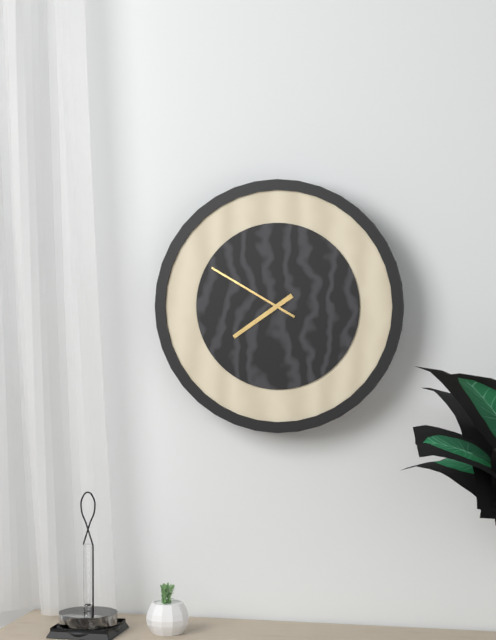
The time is {"hour": 7, "minute": 50}
